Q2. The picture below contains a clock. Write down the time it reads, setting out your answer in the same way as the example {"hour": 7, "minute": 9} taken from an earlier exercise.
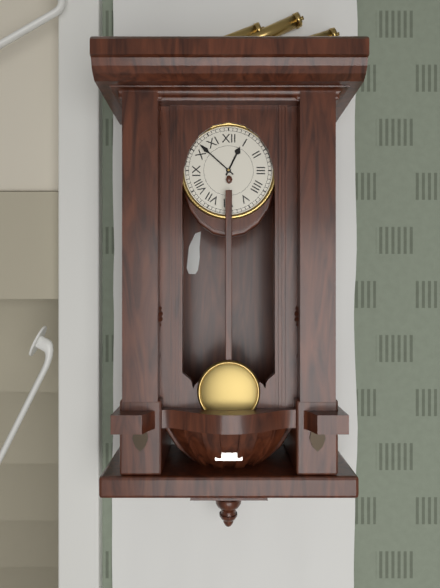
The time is {"hour": 12, "minute": 52}
